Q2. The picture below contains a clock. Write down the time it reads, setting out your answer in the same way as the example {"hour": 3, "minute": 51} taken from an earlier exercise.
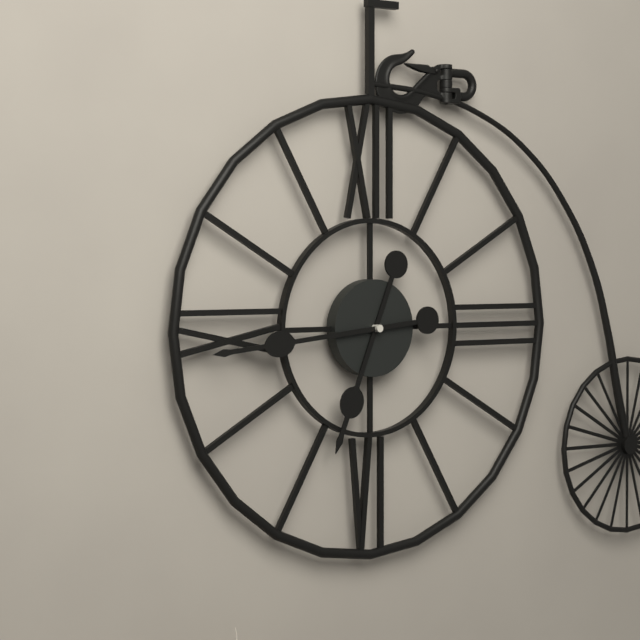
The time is {"hour": 6, "minute": 44}
